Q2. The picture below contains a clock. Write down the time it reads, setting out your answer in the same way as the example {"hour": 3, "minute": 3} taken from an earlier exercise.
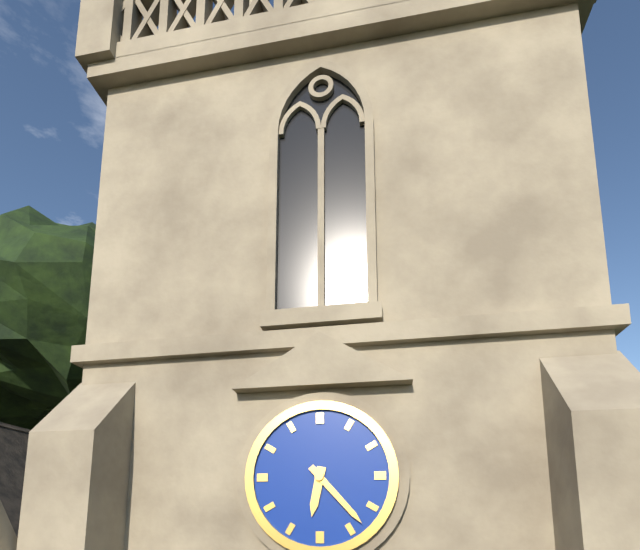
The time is {"hour": 6, "minute": 23}
